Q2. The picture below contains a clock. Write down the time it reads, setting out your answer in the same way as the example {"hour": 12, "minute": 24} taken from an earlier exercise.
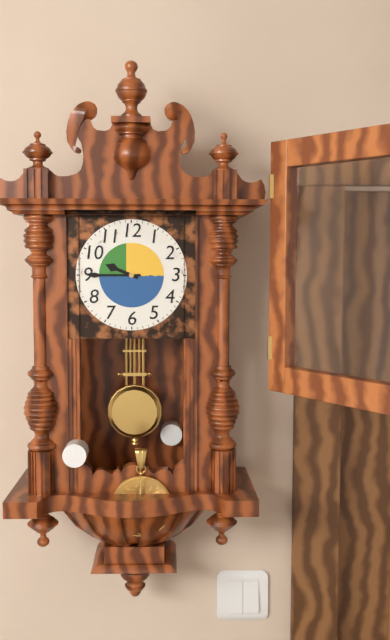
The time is {"hour": 9, "minute": 45}
